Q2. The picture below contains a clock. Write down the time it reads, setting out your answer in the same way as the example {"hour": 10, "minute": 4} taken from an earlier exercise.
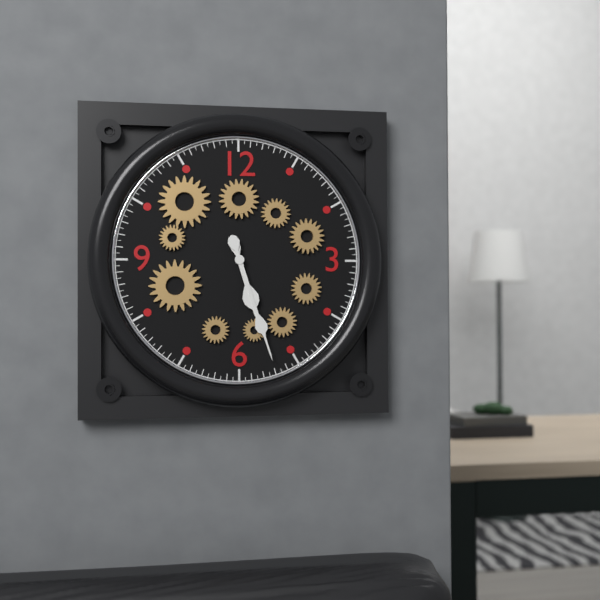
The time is {"hour": 5, "minute": 27}
